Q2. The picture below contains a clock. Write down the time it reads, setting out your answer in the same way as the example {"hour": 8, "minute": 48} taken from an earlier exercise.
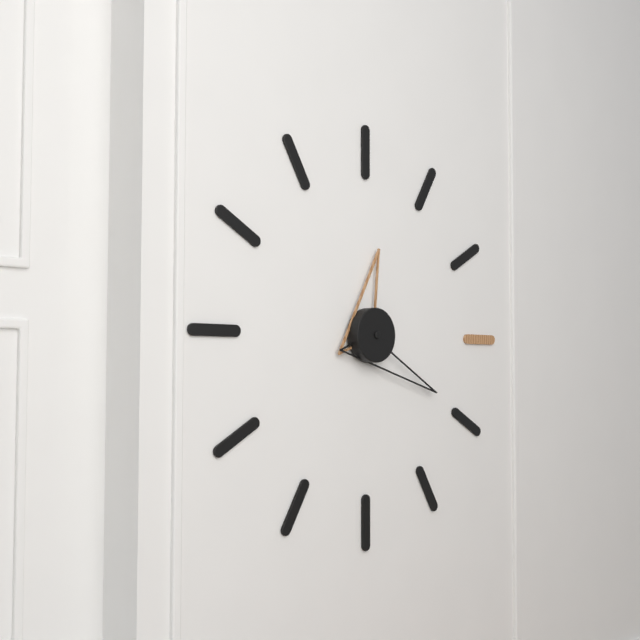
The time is {"hour": 12, "minute": 20}
